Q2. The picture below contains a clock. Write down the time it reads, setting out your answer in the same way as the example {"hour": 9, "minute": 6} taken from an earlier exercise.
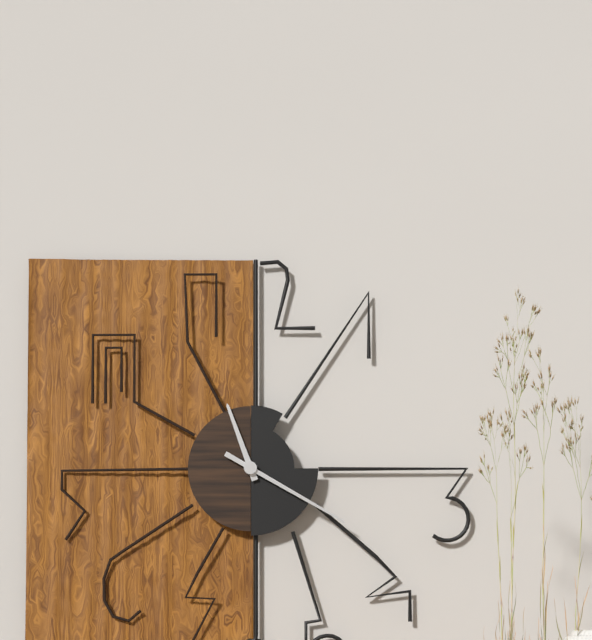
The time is {"hour": 11, "minute": 20}
